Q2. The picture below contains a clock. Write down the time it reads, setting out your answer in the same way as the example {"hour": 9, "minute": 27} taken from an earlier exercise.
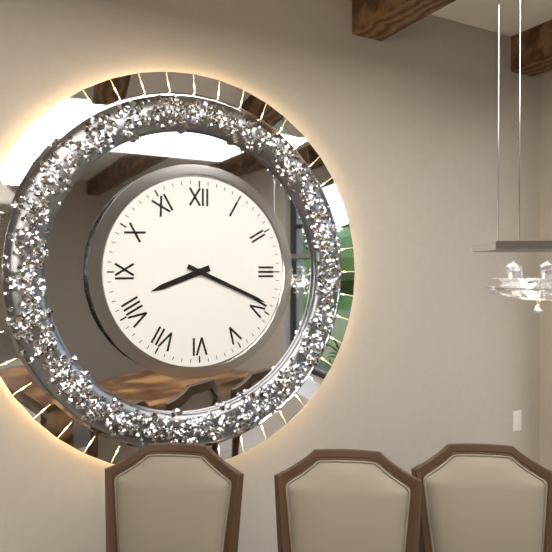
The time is {"hour": 8, "minute": 19}
